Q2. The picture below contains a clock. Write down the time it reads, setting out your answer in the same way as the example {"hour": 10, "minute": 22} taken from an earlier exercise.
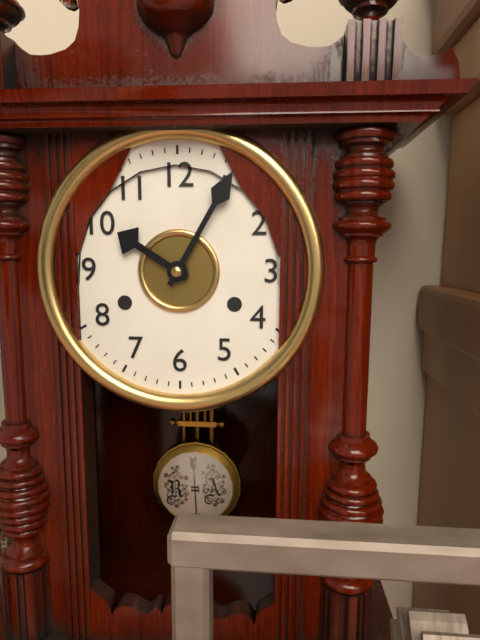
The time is {"hour": 10, "minute": 5}
